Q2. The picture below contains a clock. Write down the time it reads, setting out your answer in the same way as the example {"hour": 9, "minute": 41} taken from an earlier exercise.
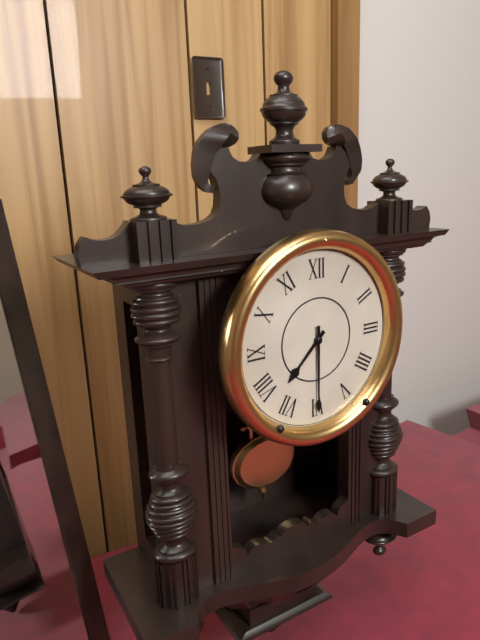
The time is {"hour": 7, "minute": 30}
